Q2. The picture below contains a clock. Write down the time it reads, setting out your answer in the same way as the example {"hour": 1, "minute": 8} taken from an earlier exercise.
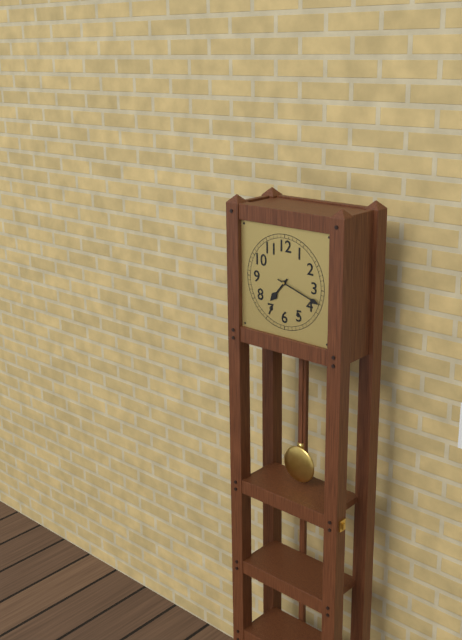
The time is {"hour": 7, "minute": 18}
